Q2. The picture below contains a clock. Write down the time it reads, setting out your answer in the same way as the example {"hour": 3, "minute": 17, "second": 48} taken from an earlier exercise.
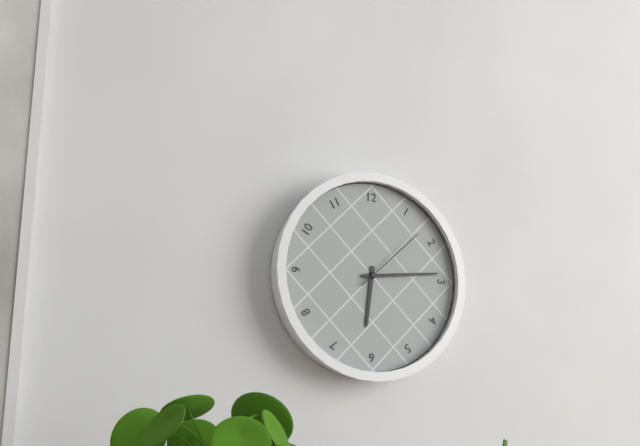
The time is {"hour": 6, "minute": 14, "second": 8}
